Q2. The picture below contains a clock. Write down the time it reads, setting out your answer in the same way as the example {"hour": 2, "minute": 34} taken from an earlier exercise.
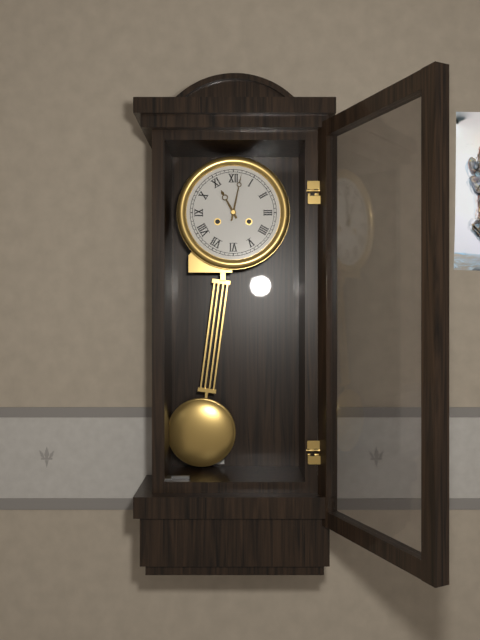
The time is {"hour": 11, "minute": 2}
